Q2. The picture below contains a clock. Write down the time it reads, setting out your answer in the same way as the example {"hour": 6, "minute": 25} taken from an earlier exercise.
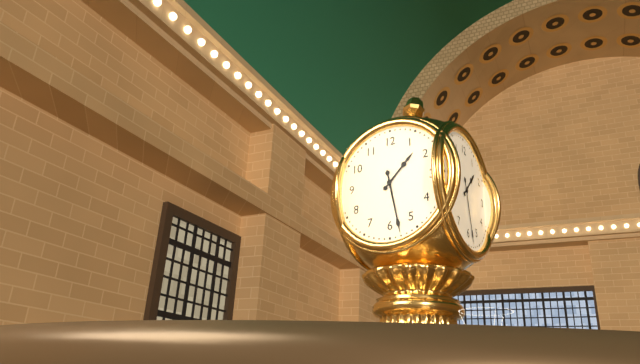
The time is {"hour": 1, "minute": 28}
